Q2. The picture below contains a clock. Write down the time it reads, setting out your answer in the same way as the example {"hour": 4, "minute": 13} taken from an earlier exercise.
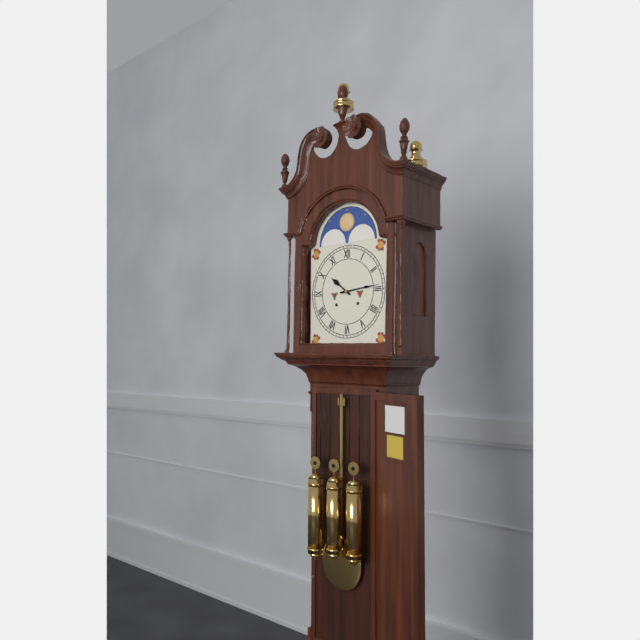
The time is {"hour": 10, "minute": 14}
